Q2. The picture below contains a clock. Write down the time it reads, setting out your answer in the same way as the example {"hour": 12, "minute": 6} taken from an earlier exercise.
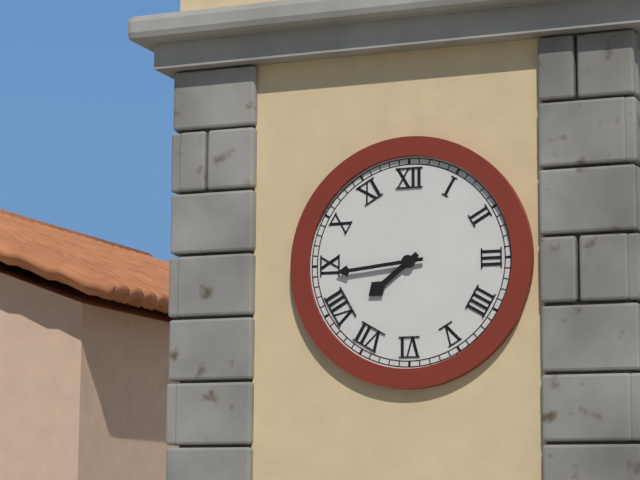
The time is {"hour": 7, "minute": 44}
